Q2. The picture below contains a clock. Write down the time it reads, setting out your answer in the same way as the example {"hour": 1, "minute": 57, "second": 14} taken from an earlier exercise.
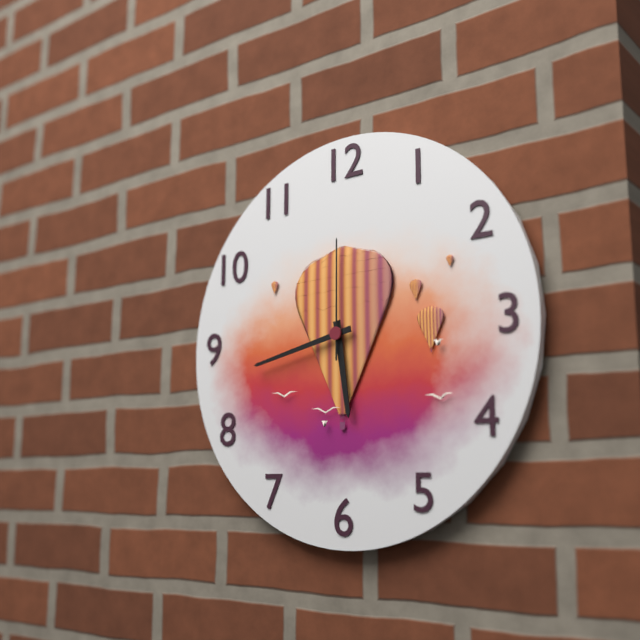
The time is {"hour": 5, "minute": 43, "second": 0}
